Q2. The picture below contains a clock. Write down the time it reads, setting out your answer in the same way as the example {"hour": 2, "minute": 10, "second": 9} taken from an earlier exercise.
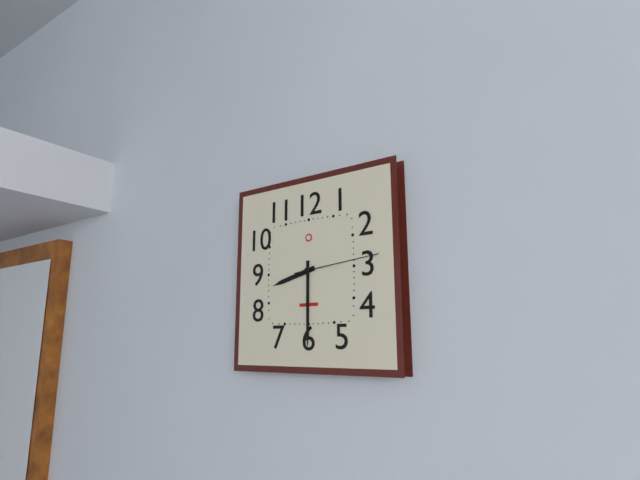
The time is {"hour": 8, "minute": 30, "second": 14}
